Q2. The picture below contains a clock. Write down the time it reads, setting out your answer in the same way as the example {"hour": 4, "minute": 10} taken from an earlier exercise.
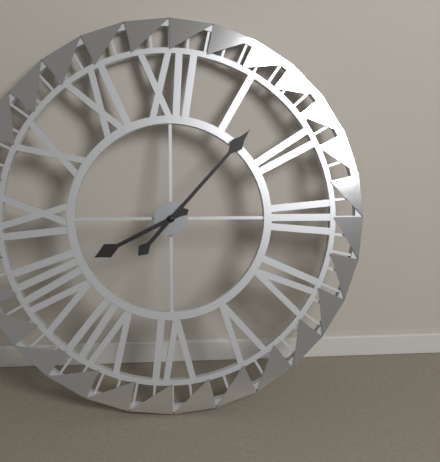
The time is {"hour": 8, "minute": 7}
